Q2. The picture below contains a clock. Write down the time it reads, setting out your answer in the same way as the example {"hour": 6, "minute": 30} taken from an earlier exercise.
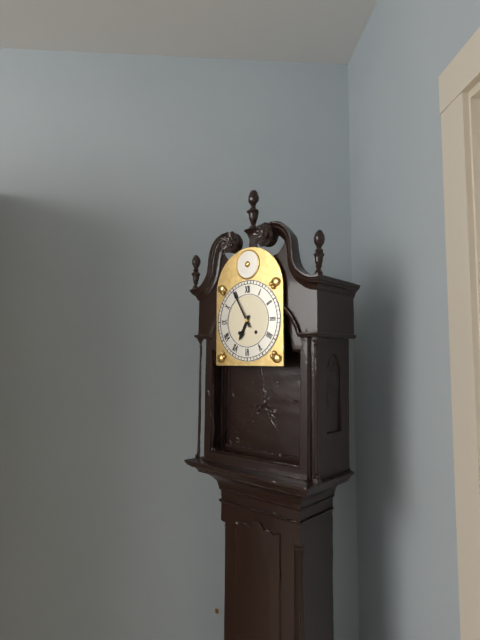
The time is {"hour": 6, "minute": 55}
